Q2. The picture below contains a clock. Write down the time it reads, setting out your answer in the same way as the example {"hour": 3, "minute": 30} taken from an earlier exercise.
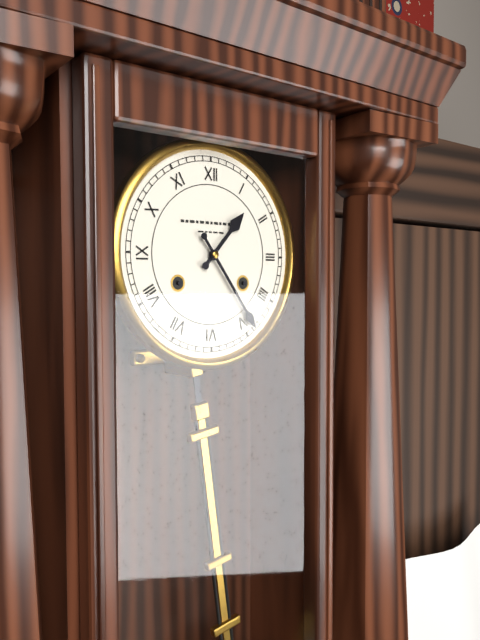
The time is {"hour": 1, "minute": 24}
